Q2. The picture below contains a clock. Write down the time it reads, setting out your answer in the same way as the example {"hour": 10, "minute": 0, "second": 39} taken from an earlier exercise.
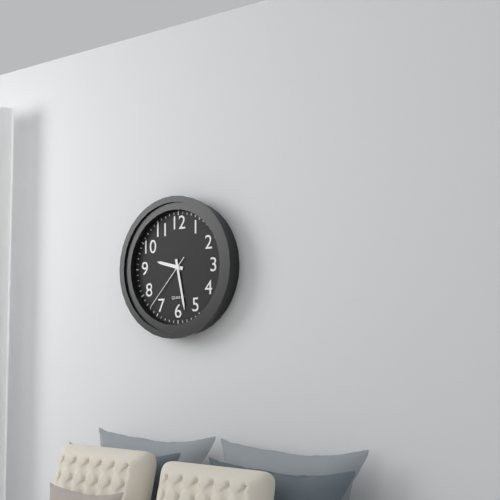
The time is {"hour": 9, "minute": 28, "second": 37}
